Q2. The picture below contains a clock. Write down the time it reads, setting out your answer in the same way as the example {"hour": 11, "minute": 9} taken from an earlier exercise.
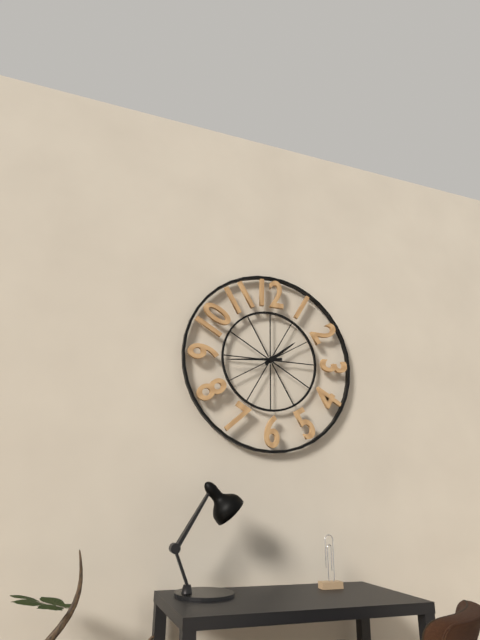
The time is {"hour": 1, "minute": 44}
